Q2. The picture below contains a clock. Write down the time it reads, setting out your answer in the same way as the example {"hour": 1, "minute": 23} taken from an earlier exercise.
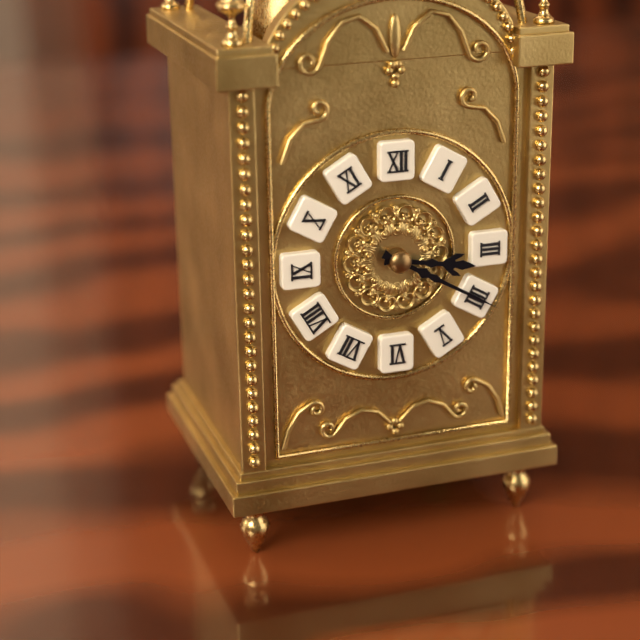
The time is {"hour": 3, "minute": 20}
